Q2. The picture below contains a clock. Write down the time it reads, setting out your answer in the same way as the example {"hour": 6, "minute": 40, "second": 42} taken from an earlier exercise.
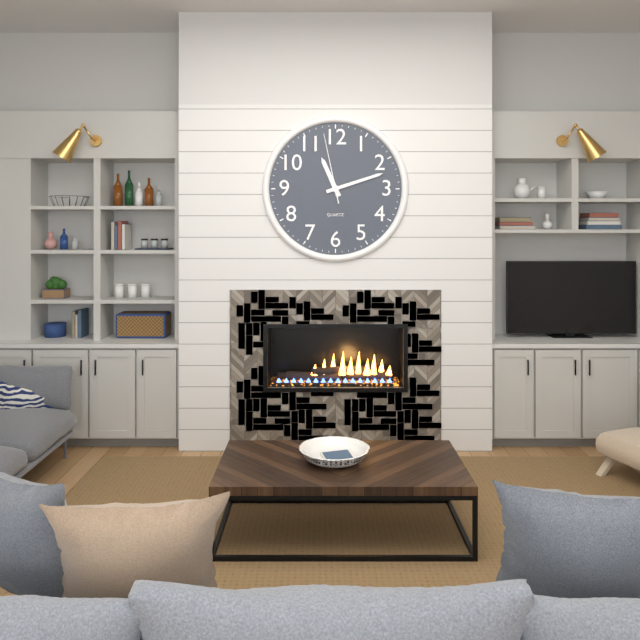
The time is {"hour": 11, "minute": 12, "second": 58}
